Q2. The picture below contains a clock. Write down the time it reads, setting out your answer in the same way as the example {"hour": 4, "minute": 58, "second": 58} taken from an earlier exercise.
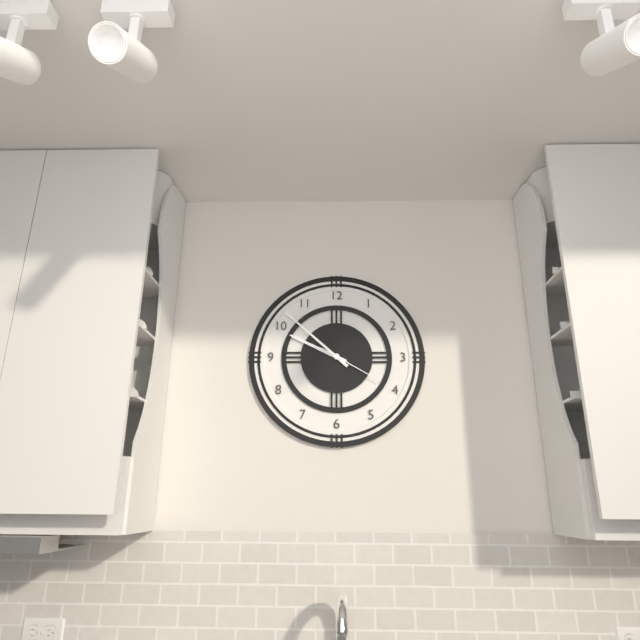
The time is {"hour": 9, "minute": 52, "second": 20}
